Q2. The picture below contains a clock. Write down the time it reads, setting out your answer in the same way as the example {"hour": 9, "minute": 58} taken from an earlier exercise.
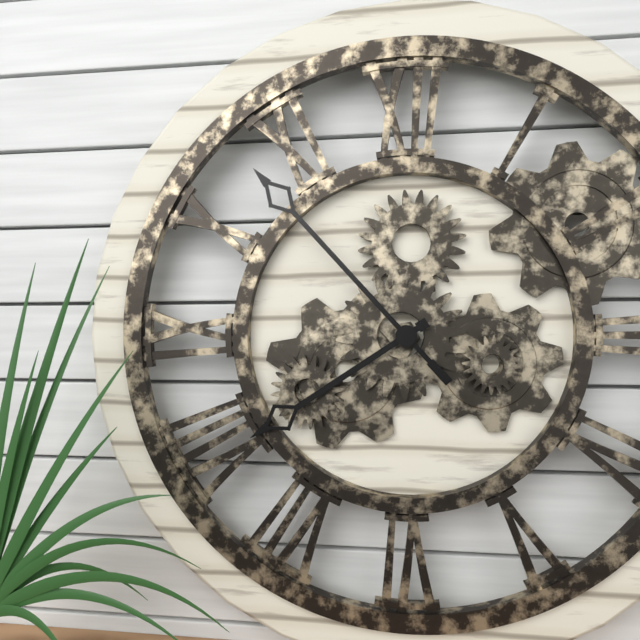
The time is {"hour": 7, "minute": 53}
